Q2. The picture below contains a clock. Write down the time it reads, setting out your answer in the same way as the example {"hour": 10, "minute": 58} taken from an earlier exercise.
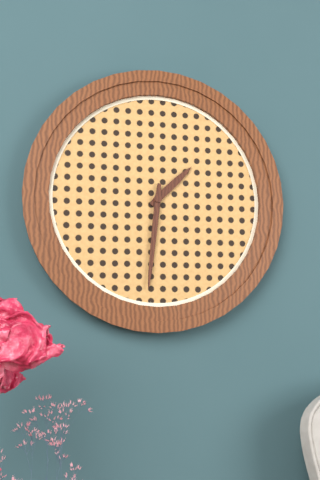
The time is {"hour": 1, "minute": 31}
